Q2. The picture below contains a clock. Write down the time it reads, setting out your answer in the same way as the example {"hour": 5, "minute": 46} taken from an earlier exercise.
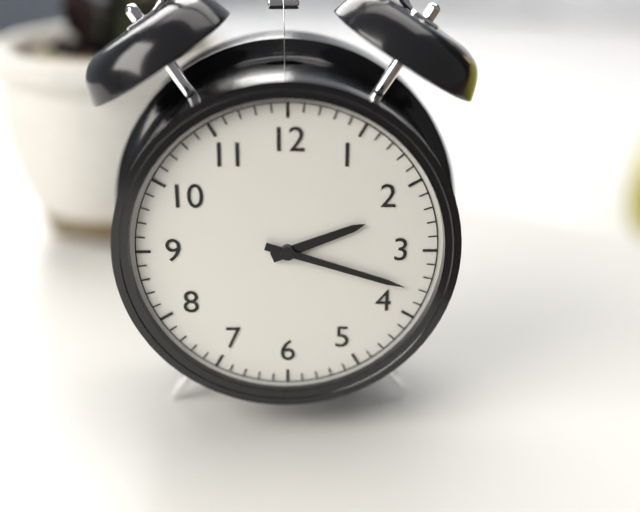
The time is {"hour": 2, "minute": 18}
